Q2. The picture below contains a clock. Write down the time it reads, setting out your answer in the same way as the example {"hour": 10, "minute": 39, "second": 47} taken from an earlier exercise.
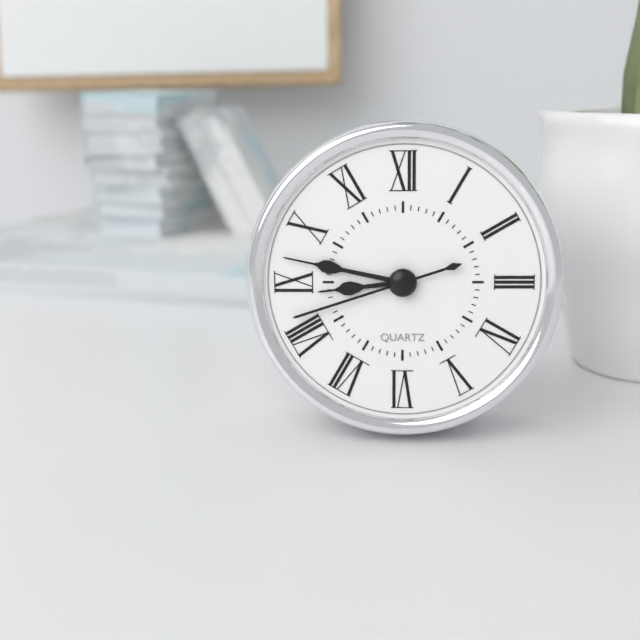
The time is {"hour": 8, "minute": 47, "second": 42}
